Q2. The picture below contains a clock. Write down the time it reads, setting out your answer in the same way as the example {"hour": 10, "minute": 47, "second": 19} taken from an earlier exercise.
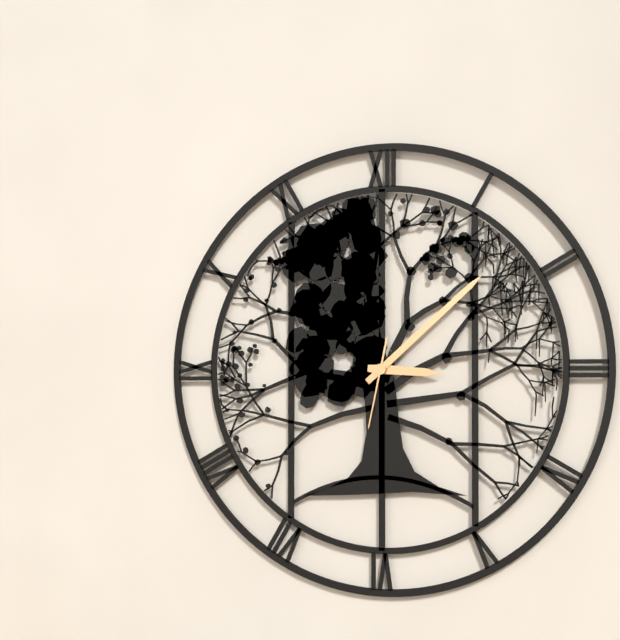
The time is {"hour": 3, "minute": 8, "second": 32}
